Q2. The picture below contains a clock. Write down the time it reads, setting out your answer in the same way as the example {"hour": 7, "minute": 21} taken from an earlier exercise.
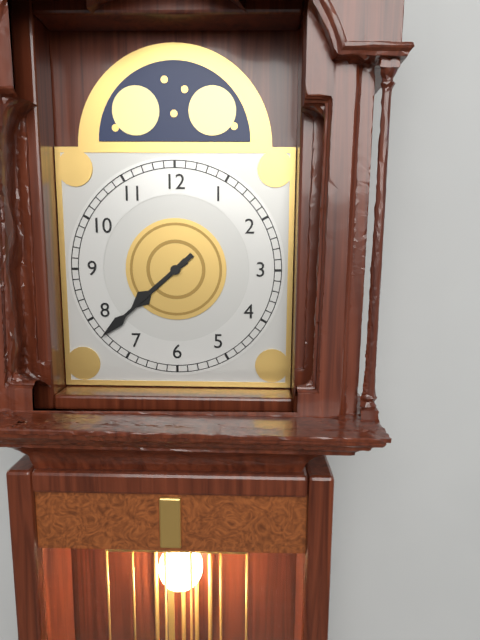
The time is {"hour": 7, "minute": 38}
